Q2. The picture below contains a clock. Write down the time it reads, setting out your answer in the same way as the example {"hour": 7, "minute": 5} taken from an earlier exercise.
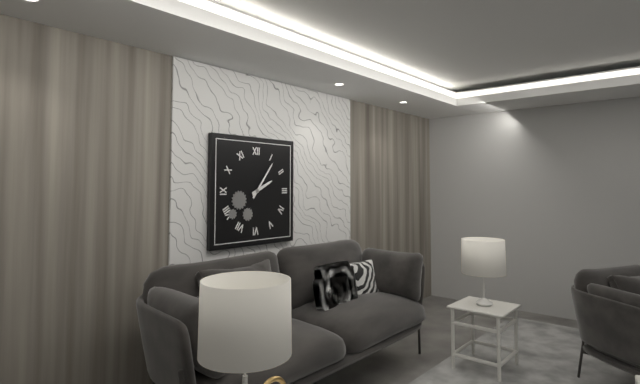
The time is {"hour": 2, "minute": 6}
